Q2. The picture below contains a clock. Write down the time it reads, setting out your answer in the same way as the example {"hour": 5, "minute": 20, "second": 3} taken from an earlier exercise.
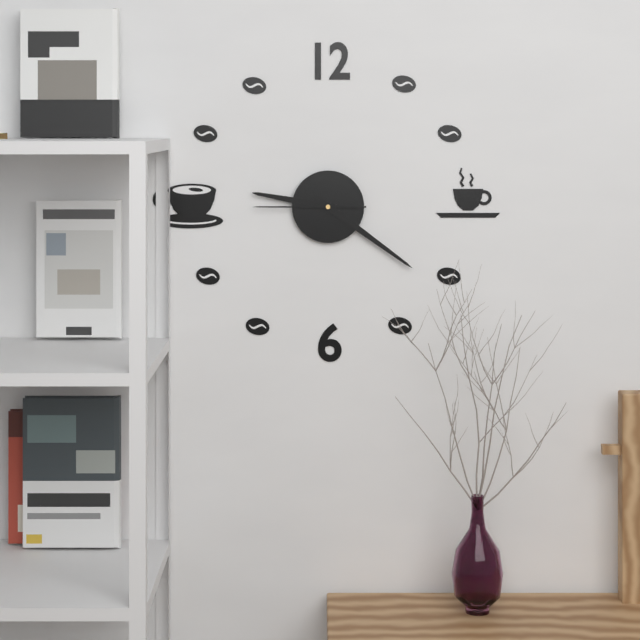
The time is {"hour": 9, "minute": 21, "second": 45}
